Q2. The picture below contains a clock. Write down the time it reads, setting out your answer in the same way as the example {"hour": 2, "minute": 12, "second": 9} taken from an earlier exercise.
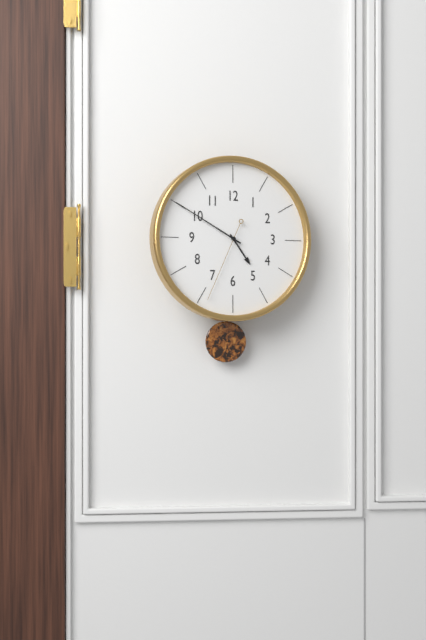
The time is {"hour": 4, "minute": 50, "second": 34}
